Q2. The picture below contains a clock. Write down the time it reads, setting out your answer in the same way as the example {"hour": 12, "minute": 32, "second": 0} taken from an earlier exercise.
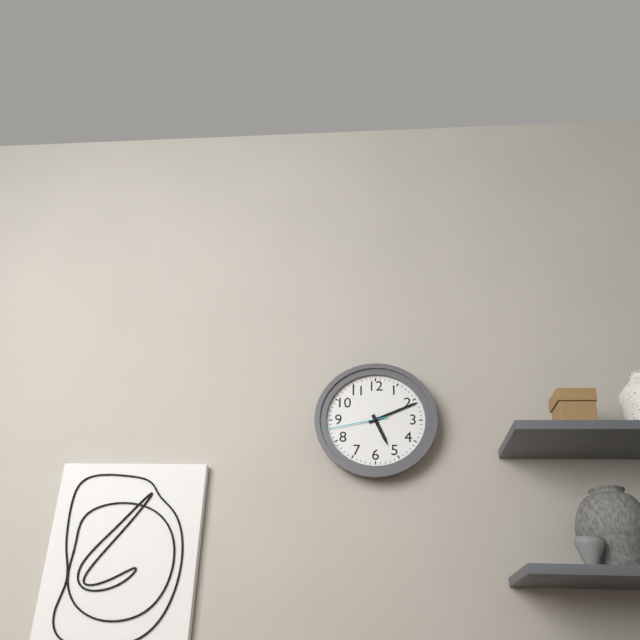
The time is {"hour": 5, "minute": 11, "second": 43}
